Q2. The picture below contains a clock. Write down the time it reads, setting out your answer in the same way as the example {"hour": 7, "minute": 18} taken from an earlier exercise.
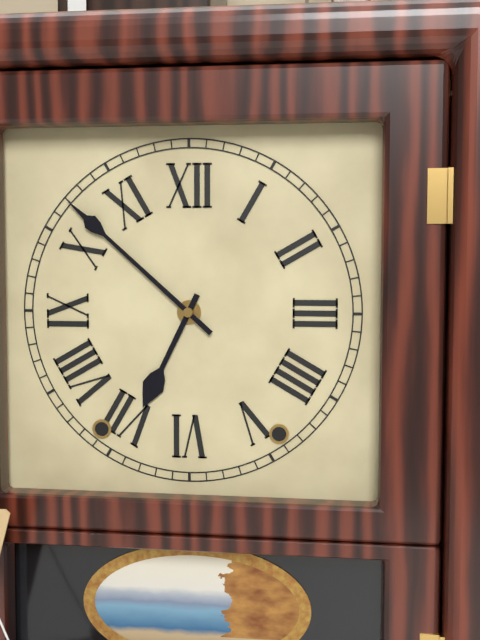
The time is {"hour": 6, "minute": 52}
